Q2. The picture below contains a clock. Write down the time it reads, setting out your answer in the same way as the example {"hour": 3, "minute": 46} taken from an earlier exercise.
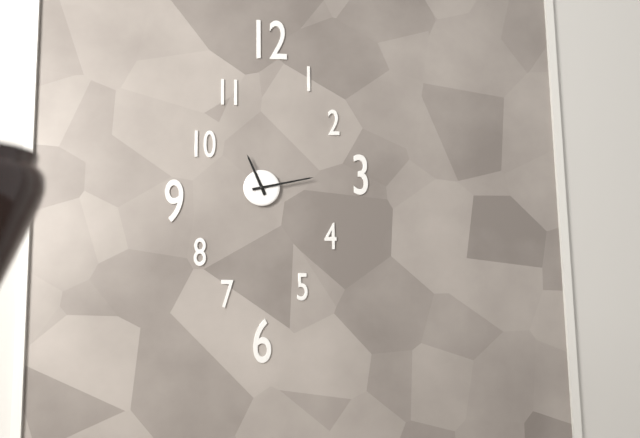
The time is {"hour": 11, "minute": 13}
